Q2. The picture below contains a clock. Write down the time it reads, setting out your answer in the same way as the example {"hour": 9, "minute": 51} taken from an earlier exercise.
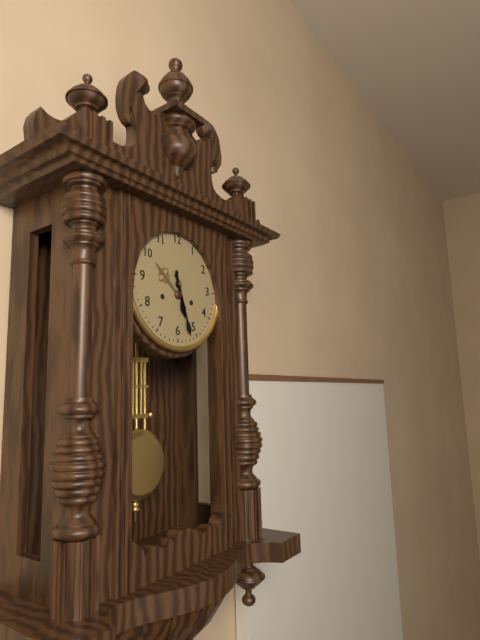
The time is {"hour": 5, "minute": 27}
